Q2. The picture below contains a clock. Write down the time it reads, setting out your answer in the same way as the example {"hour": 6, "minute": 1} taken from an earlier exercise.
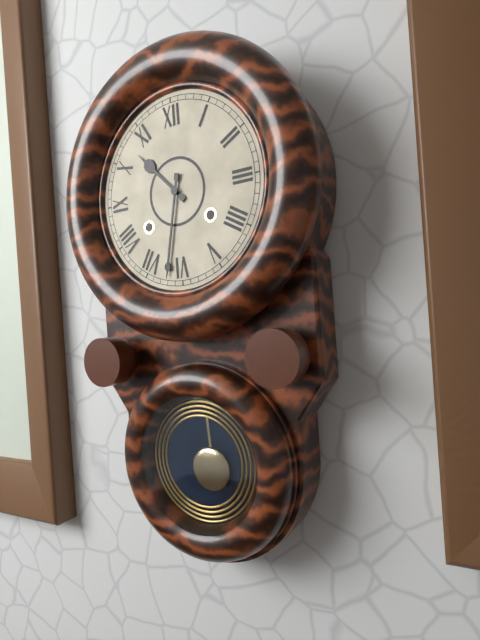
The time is {"hour": 10, "minute": 32}
